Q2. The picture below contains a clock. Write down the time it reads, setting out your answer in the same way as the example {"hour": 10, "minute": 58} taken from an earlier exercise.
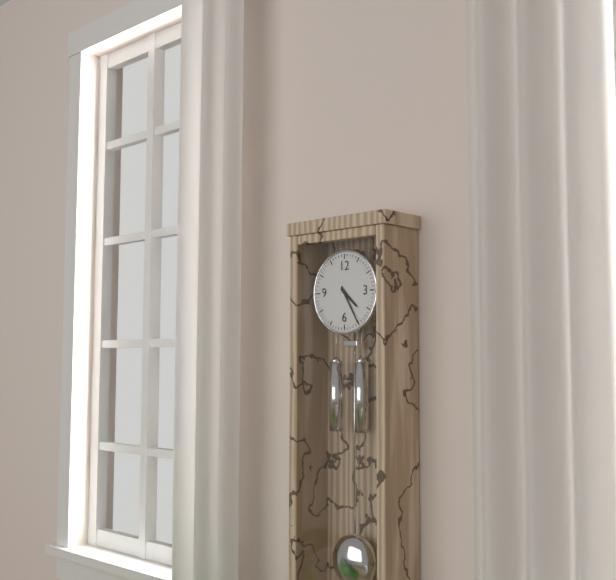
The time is {"hour": 4, "minute": 25}
